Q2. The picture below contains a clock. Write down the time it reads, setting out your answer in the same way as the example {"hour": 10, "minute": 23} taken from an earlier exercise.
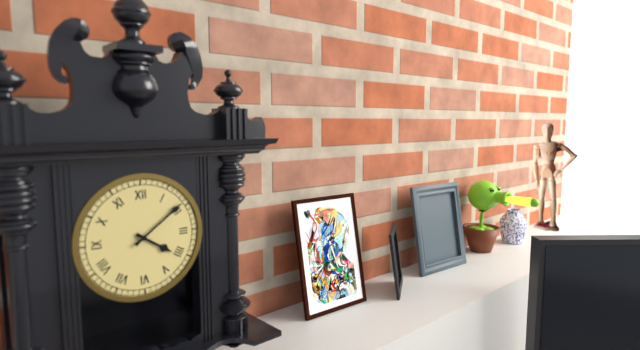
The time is {"hour": 4, "minute": 9}
